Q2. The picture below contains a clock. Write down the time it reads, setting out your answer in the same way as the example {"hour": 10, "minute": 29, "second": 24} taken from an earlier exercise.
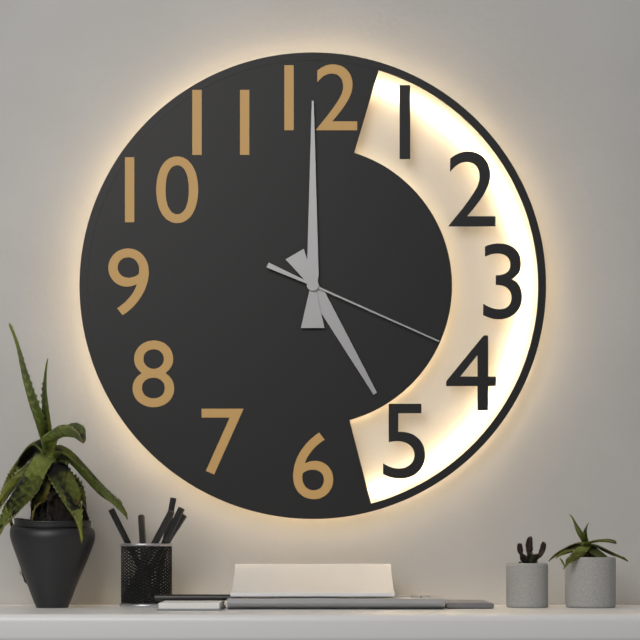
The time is {"hour": 5, "minute": 0, "second": 19}
